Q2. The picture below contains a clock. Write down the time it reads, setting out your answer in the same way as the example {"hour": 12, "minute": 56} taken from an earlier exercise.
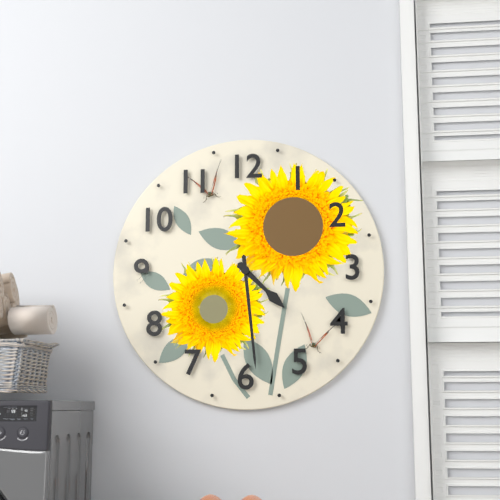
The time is {"hour": 4, "minute": 29}
